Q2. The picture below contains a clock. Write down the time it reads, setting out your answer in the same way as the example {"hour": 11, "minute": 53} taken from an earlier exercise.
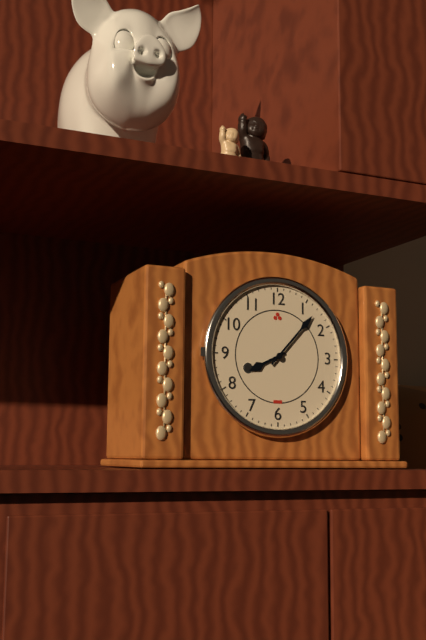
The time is {"hour": 8, "minute": 7}
